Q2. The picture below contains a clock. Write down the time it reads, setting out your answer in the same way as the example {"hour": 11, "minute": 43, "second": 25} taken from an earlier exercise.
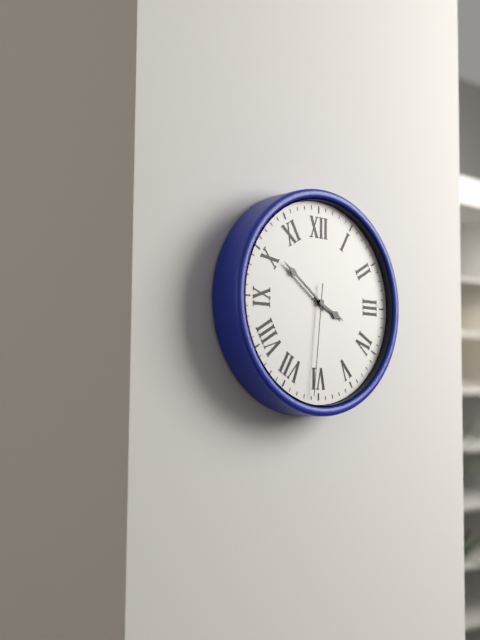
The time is {"hour": 3, "minute": 51, "second": 31}
